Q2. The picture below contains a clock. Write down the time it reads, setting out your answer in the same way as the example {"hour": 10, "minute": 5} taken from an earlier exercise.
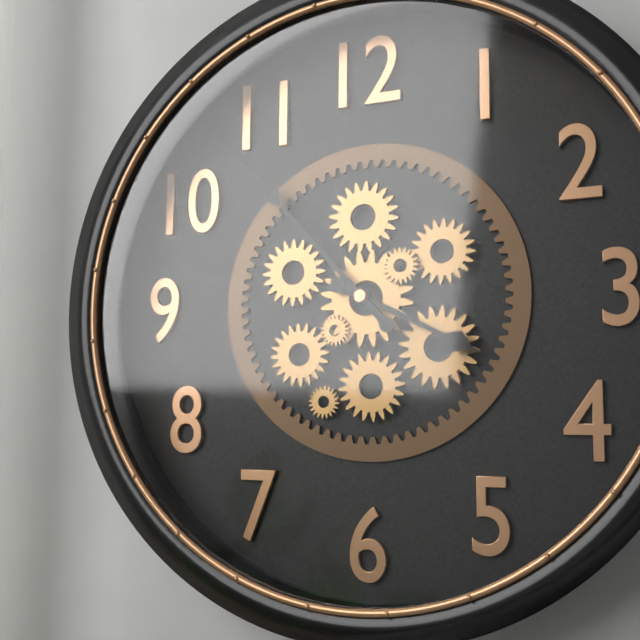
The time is {"hour": 3, "minute": 53}
